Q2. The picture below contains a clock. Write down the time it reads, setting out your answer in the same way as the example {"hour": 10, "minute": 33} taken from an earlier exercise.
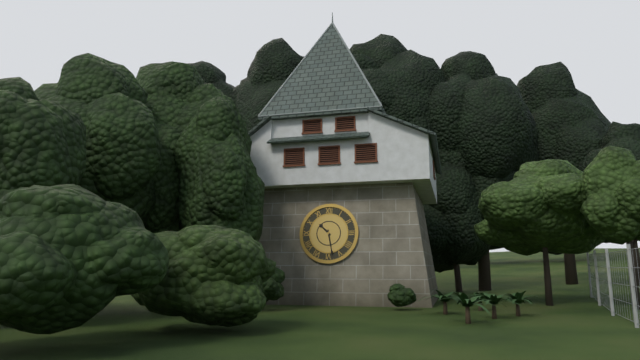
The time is {"hour": 10, "minute": 28}
